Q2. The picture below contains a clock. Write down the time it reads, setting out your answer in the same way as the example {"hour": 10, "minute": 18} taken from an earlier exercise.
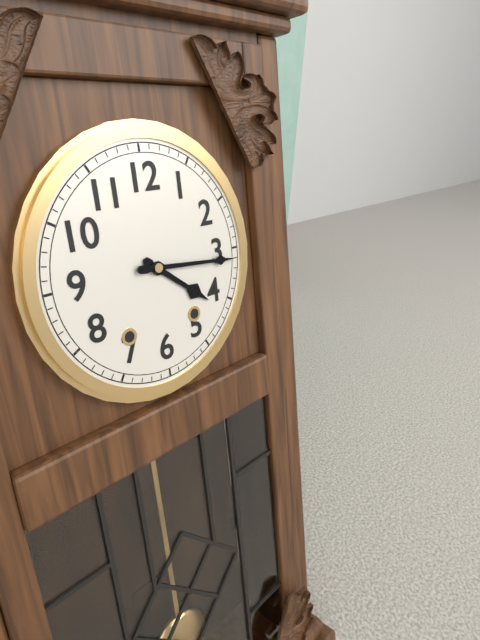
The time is {"hour": 4, "minute": 16}
